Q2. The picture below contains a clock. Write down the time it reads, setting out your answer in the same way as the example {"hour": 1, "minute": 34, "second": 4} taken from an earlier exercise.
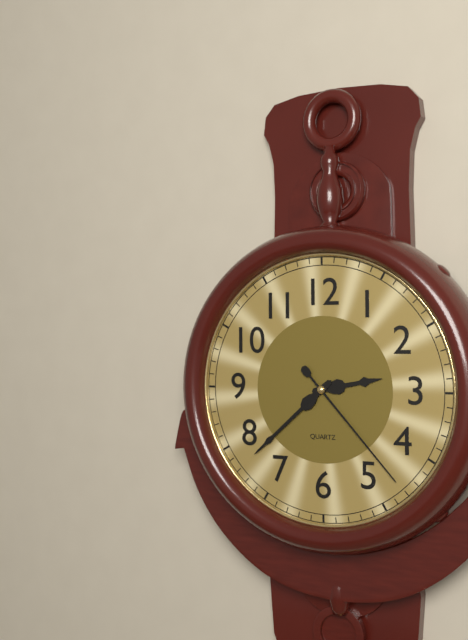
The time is {"hour": 2, "minute": 38, "second": 23}
